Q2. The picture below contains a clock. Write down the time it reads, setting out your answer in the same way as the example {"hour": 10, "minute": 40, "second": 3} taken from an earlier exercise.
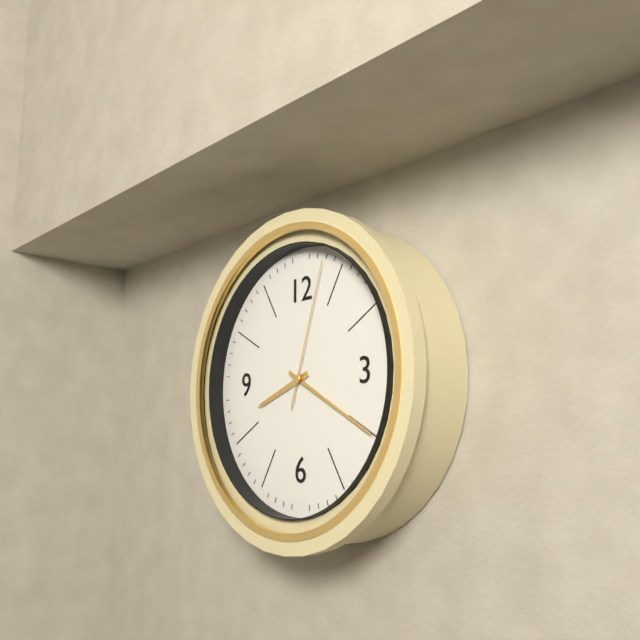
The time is {"hour": 8, "minute": 20, "second": 3}
